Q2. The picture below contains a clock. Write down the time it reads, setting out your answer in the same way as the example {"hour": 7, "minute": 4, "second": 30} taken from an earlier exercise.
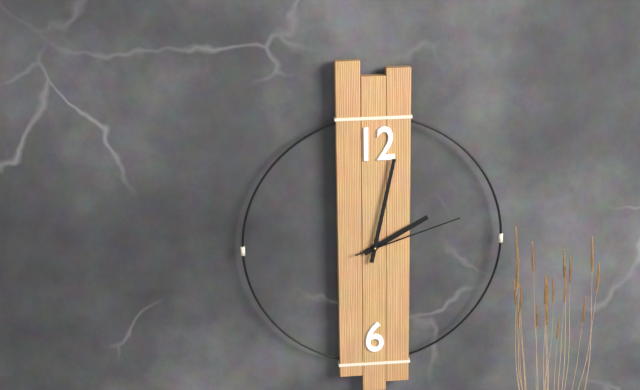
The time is {"hour": 2, "minute": 2, "second": 12}
